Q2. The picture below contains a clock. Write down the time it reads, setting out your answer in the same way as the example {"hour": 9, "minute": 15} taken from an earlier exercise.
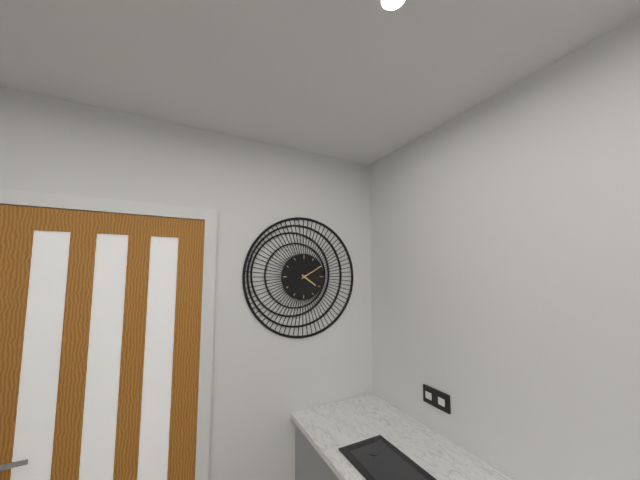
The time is {"hour": 4, "minute": 10}
